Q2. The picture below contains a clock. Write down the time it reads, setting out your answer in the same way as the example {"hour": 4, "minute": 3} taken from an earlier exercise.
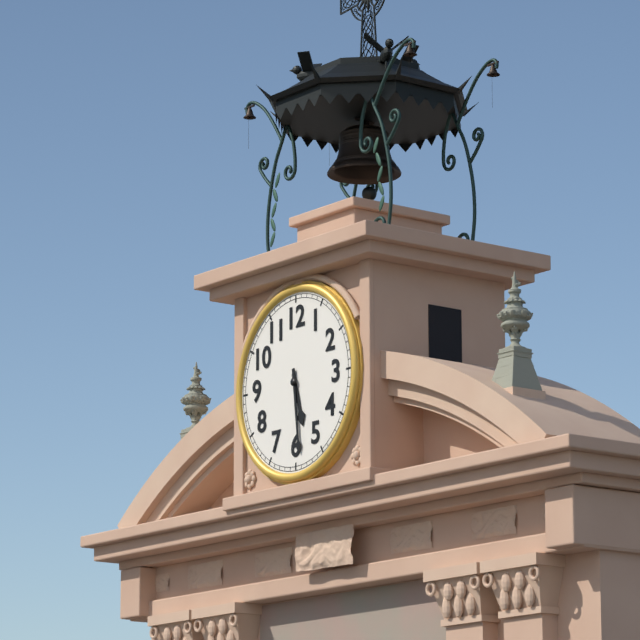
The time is {"hour": 5, "minute": 29}
